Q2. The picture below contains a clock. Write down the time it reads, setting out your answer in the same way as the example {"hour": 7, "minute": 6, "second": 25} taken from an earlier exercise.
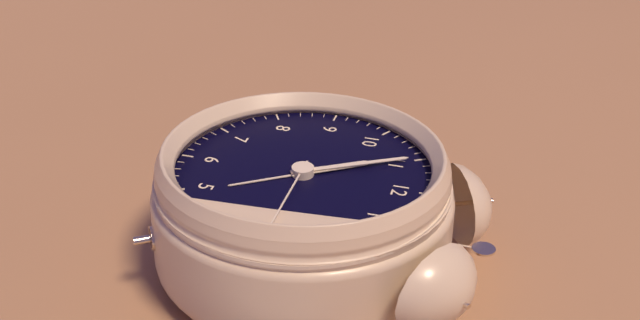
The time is {"hour": 10, "minute": 55, "second": 15}
